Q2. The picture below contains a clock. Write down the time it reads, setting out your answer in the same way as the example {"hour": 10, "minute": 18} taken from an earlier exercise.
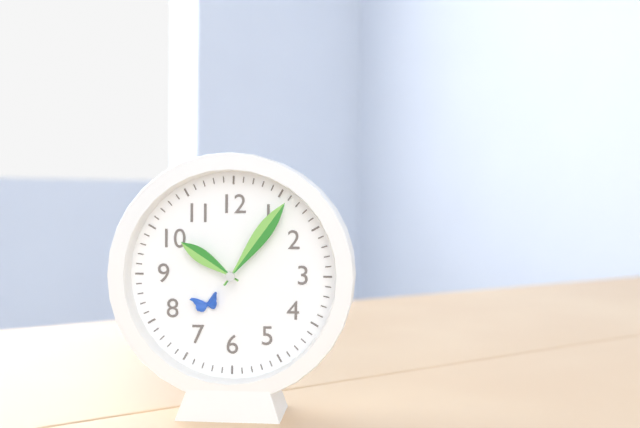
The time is {"hour": 10, "minute": 6}
